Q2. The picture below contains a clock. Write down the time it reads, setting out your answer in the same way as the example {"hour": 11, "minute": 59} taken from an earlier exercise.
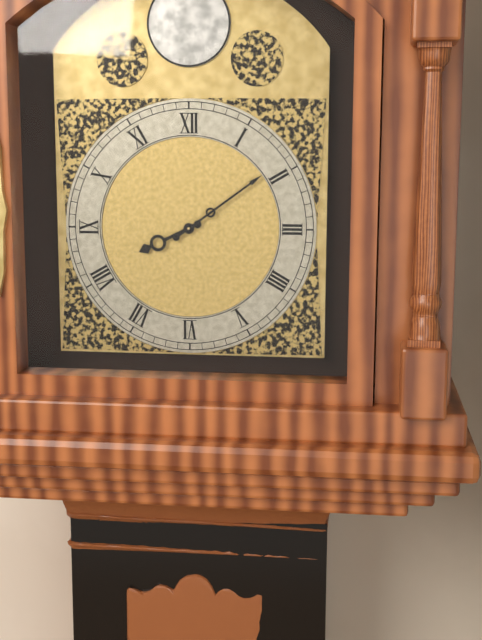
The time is {"hour": 8, "minute": 9}
